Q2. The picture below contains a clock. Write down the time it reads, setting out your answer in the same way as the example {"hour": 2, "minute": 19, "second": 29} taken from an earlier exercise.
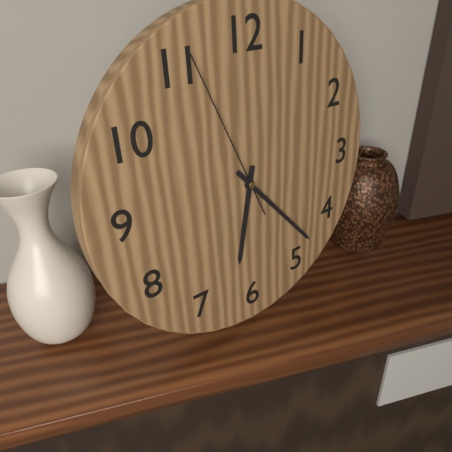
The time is {"hour": 6, "minute": 23, "second": 56}
